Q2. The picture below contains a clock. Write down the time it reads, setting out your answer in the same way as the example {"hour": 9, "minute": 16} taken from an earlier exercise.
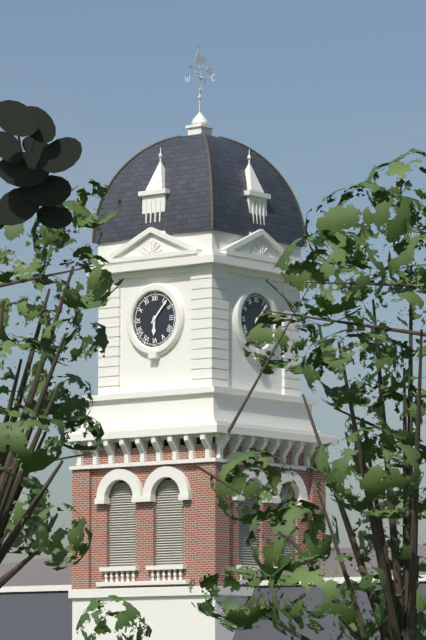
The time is {"hour": 6, "minute": 7}
